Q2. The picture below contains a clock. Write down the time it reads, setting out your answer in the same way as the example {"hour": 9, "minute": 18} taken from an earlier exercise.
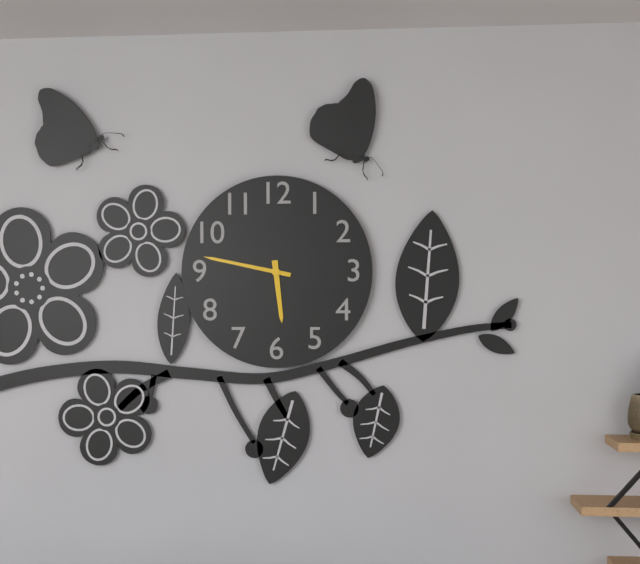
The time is {"hour": 5, "minute": 47}
